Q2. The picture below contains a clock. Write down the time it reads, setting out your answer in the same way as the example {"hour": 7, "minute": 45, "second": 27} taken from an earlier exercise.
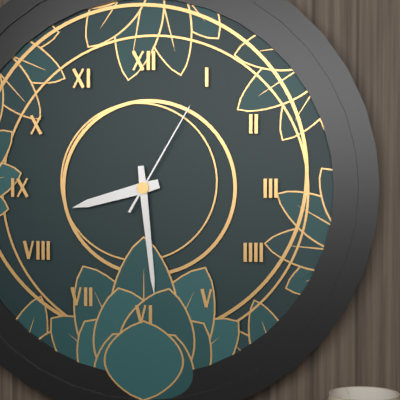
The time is {"hour": 8, "minute": 29, "second": 5}
